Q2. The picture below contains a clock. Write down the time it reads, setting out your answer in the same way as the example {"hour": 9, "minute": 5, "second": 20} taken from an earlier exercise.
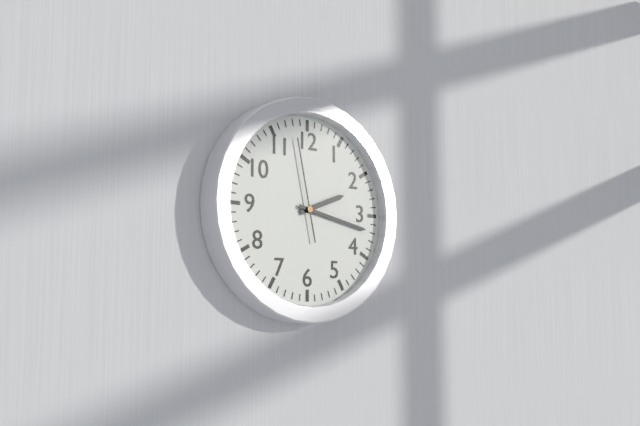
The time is {"hour": 2, "minute": 17, "second": 58}
